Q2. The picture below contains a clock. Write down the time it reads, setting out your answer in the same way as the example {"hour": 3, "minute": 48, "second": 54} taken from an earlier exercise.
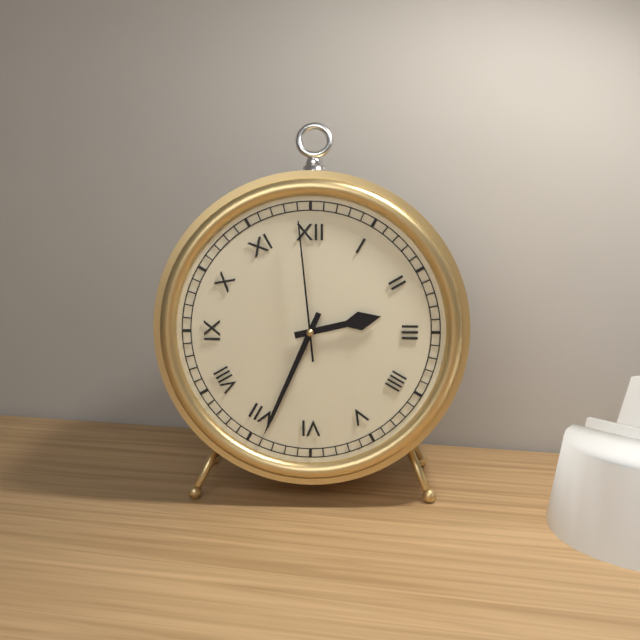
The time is {"hour": 2, "minute": 34, "second": 59}
